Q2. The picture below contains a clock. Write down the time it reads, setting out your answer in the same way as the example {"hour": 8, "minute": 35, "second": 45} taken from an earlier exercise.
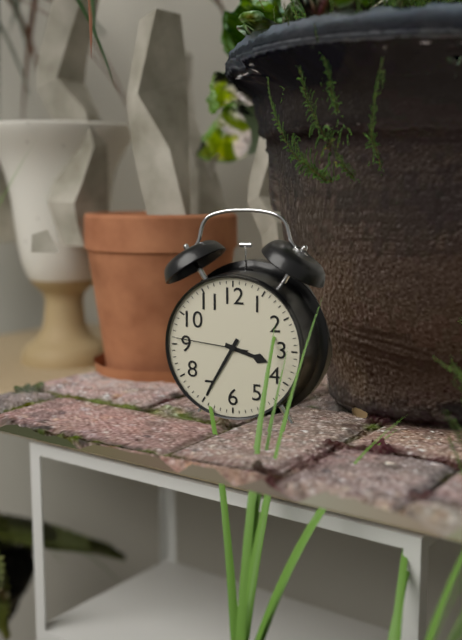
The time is {"hour": 3, "minute": 35, "second": 46}
